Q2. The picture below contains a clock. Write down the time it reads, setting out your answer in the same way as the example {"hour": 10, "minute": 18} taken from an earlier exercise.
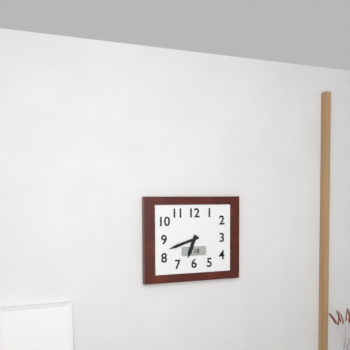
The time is {"hour": 6, "minute": 42}
